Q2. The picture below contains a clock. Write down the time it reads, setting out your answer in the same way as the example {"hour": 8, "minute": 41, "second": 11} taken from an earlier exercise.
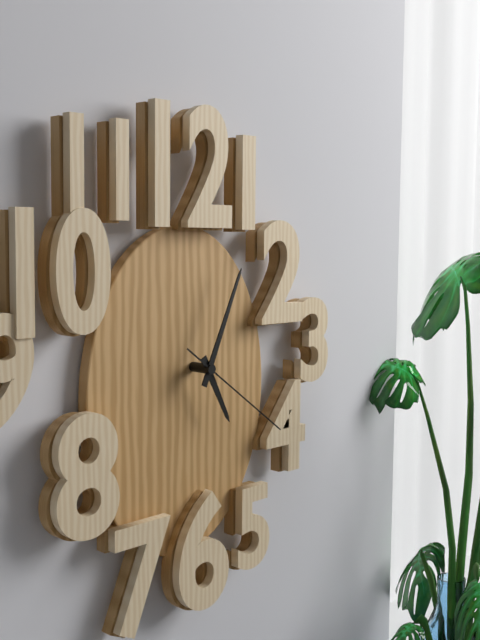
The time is {"hour": 5, "minute": 4, "second": 21}
